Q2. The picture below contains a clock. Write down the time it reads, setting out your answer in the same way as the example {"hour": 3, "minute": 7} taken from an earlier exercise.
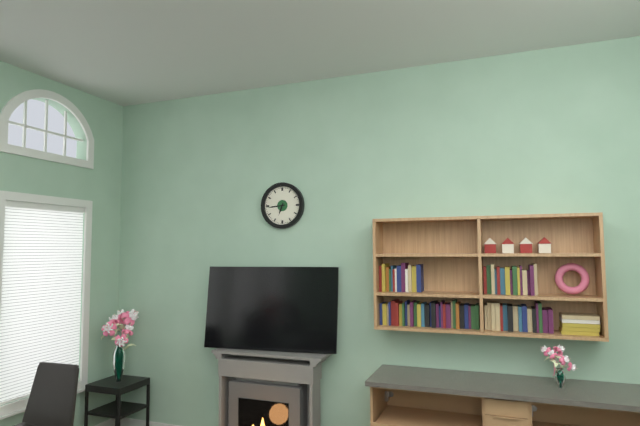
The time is {"hour": 6, "minute": 44}
